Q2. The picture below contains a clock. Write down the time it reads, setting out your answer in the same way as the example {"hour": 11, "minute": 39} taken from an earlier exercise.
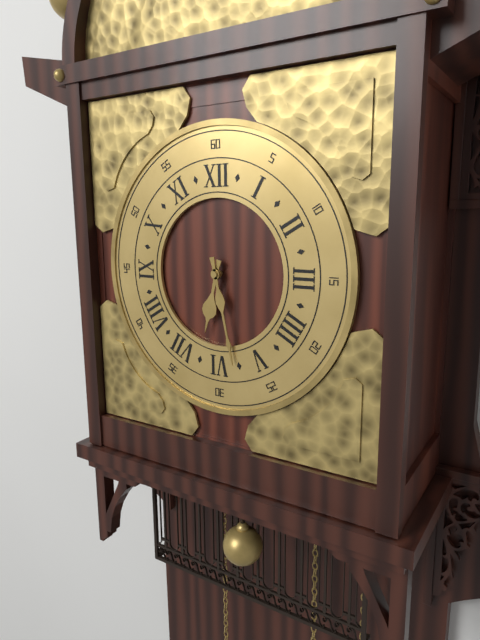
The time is {"hour": 6, "minute": 28}
